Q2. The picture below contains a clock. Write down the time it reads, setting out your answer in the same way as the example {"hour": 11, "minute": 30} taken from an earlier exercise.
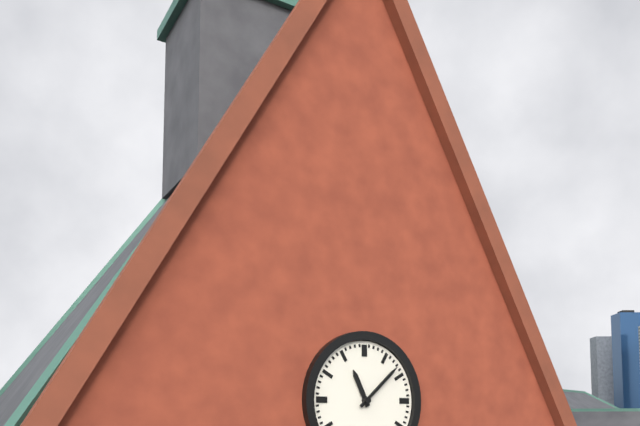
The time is {"hour": 11, "minute": 8}
